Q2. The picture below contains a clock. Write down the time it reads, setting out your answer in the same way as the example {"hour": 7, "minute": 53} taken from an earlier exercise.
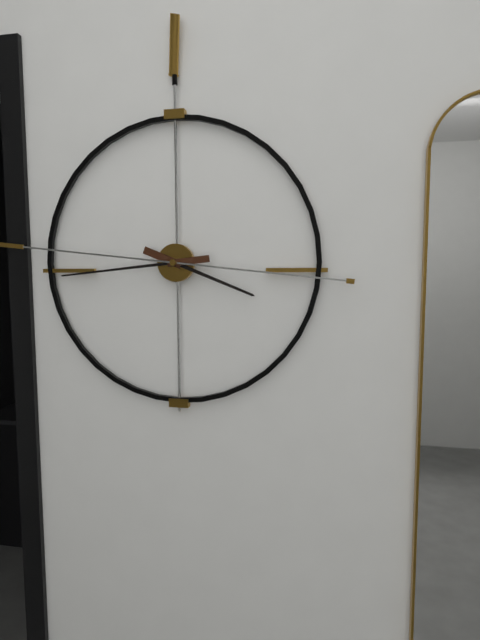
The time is {"hour": 3, "minute": 44}
